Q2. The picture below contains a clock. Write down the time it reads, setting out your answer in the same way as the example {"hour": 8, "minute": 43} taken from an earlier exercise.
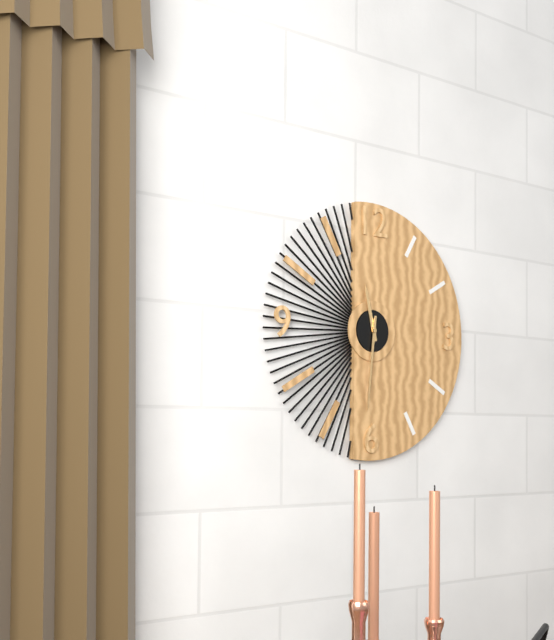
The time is {"hour": 11, "minute": 31}
